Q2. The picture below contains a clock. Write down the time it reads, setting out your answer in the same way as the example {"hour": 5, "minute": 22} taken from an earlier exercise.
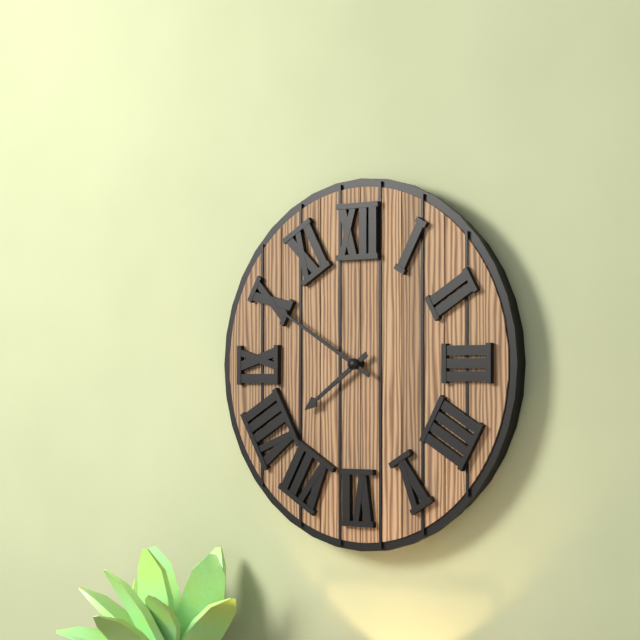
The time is {"hour": 7, "minute": 50}
